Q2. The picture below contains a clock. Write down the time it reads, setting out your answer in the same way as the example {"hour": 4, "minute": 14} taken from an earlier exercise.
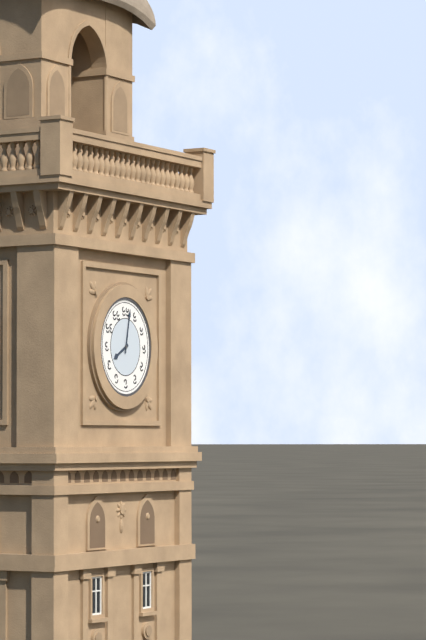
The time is {"hour": 8, "minute": 2}
